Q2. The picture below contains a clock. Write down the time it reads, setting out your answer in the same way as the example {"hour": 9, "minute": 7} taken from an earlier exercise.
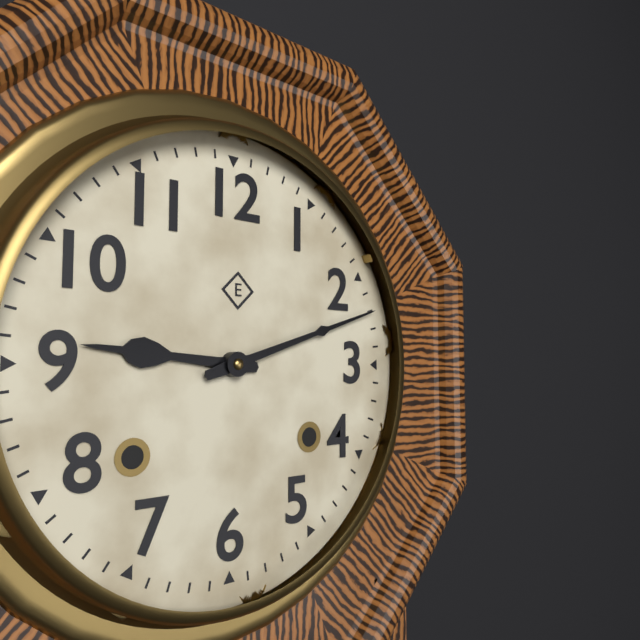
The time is {"hour": 9, "minute": 12}
